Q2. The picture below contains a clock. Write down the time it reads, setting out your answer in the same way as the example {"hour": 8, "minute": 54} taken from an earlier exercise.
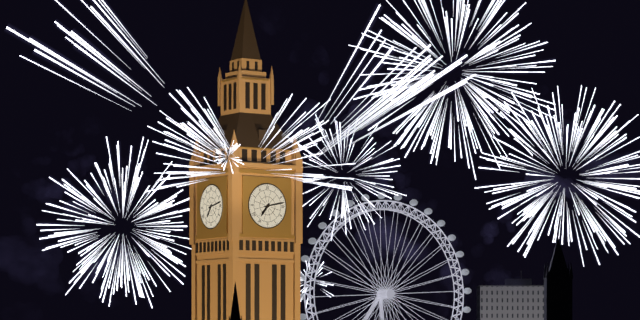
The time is {"hour": 7, "minute": 13}
